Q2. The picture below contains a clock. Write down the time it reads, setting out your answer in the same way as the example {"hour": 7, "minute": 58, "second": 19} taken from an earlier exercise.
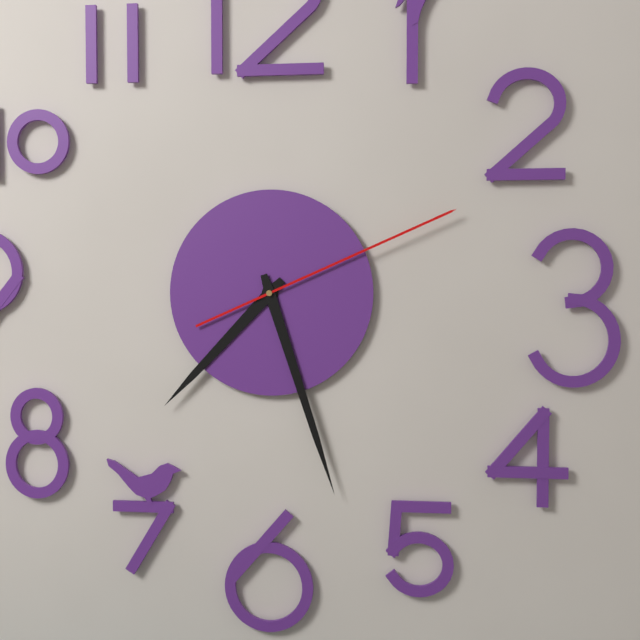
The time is {"hour": 7, "minute": 27, "second": 11}
